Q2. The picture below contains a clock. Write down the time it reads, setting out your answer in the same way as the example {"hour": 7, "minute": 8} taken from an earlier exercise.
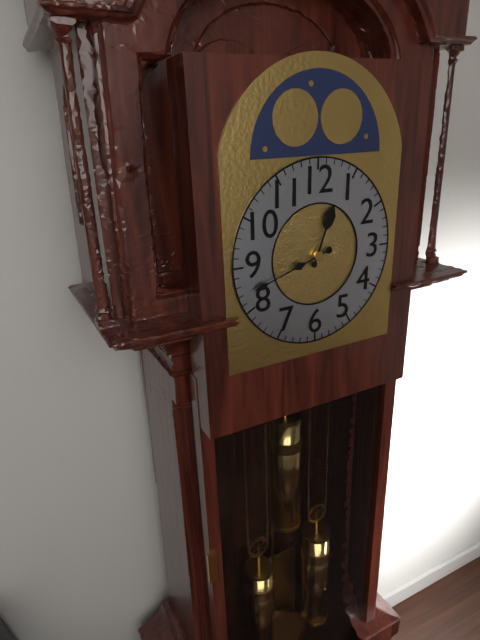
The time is {"hour": 12, "minute": 42}
